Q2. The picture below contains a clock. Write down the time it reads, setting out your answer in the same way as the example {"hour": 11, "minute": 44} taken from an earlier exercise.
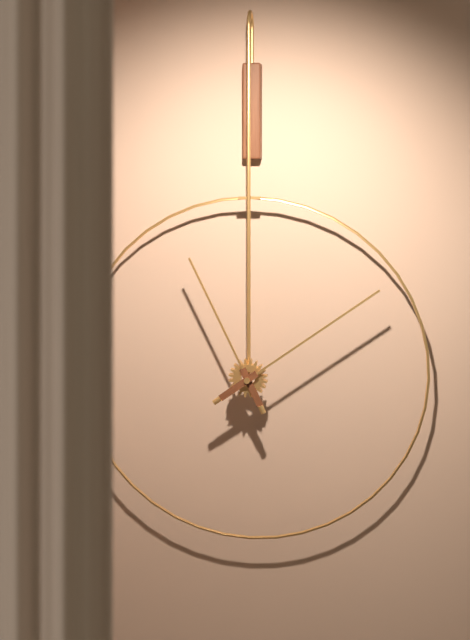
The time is {"hour": 11, "minute": 9}
